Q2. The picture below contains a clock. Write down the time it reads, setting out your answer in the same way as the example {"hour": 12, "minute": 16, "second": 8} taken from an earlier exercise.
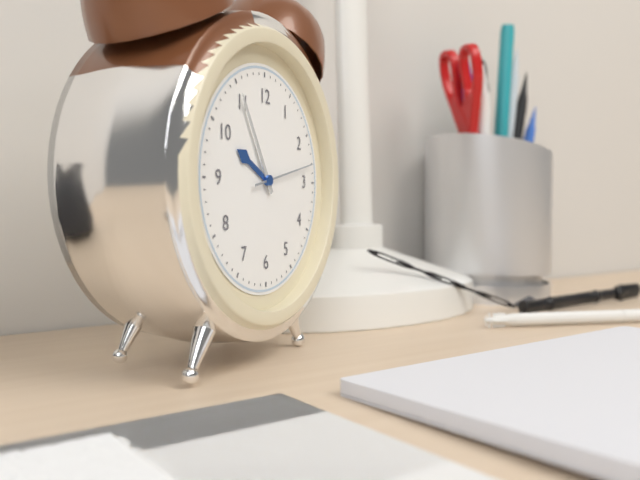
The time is {"hour": 9, "minute": 55, "second": 13}
